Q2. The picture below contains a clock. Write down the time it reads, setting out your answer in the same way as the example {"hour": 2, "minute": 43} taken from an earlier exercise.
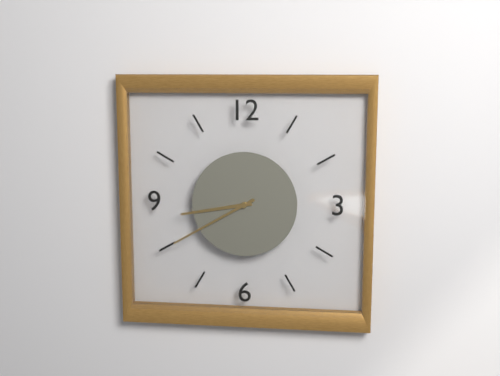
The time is {"hour": 8, "minute": 40}
